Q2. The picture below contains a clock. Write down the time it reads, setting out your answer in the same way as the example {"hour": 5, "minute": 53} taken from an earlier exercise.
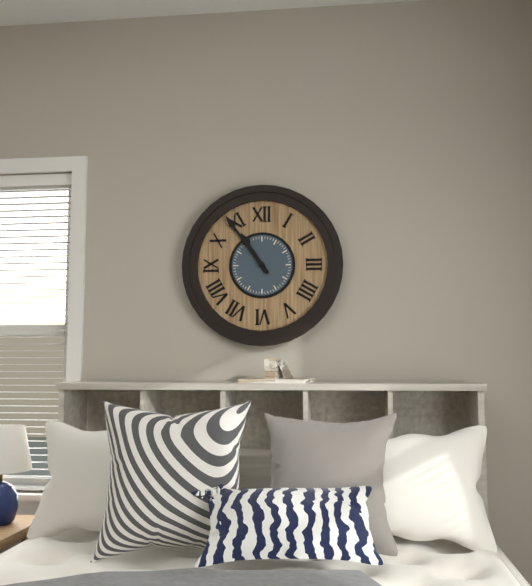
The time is {"hour": 10, "minute": 54}
